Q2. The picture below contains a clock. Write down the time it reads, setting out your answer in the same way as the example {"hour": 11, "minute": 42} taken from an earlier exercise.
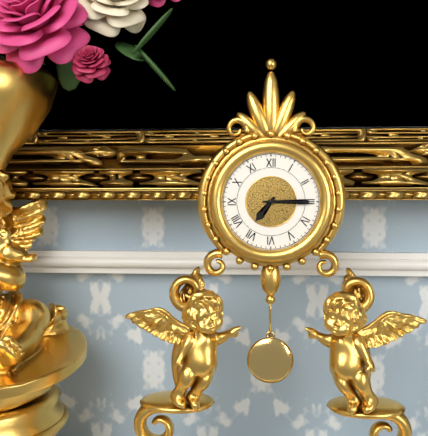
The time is {"hour": 7, "minute": 15}
